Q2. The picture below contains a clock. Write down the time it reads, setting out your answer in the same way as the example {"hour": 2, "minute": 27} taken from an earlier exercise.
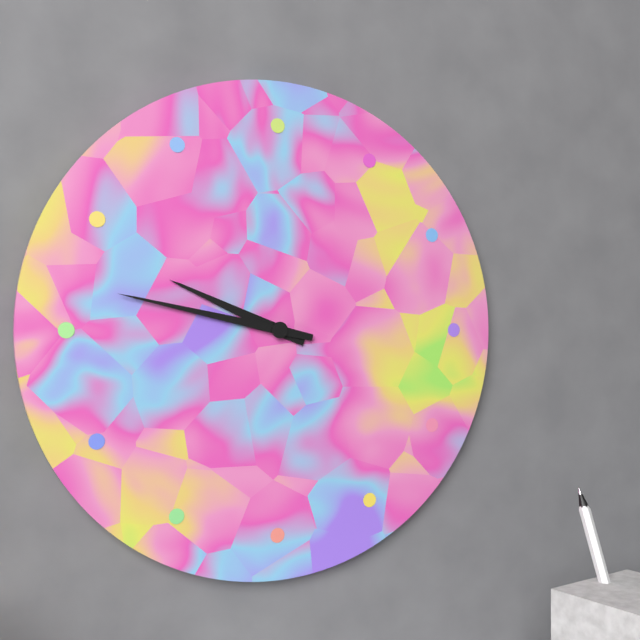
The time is {"hour": 9, "minute": 47}
